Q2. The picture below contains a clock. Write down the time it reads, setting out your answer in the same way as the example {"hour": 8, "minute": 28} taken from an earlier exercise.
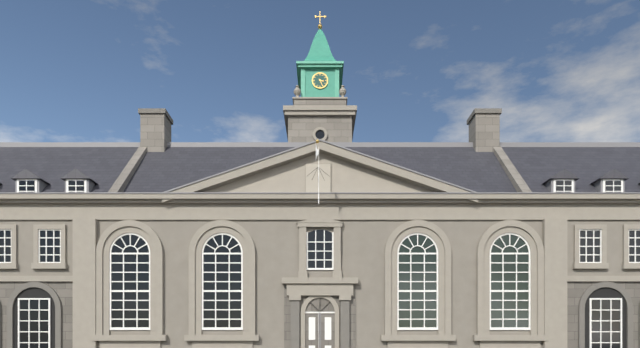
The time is {"hour": 3, "minute": 26}
